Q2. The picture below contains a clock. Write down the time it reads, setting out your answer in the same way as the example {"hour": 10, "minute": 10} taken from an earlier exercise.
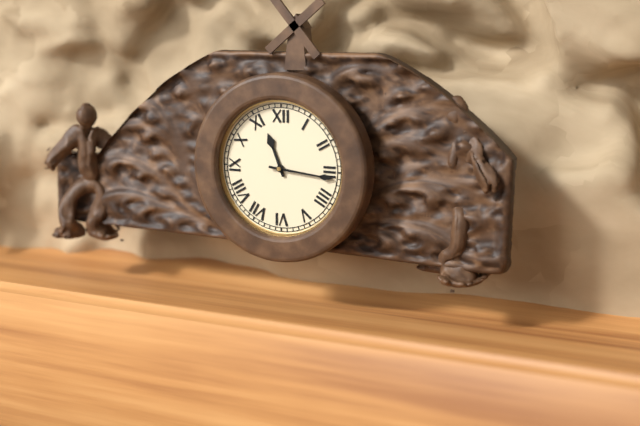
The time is {"hour": 11, "minute": 16}
